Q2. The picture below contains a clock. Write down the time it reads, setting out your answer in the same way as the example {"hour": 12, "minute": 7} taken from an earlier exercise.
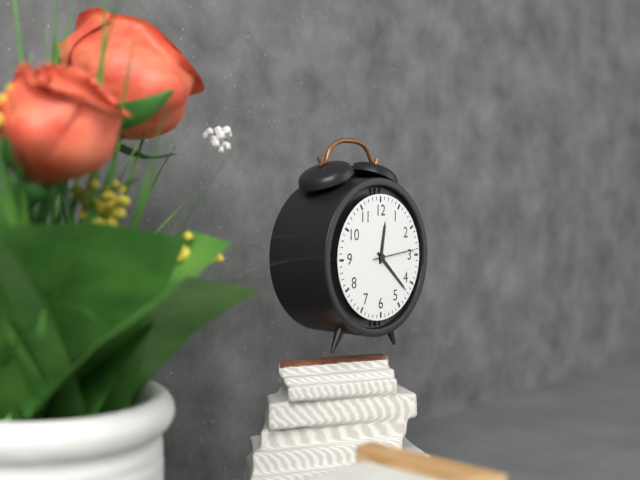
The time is {"hour": 12, "minute": 22}
